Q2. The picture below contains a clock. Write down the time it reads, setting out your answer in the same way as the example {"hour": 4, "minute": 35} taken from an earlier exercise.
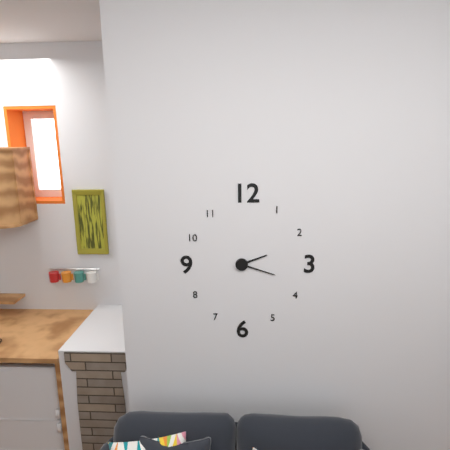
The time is {"hour": 2, "minute": 18}
